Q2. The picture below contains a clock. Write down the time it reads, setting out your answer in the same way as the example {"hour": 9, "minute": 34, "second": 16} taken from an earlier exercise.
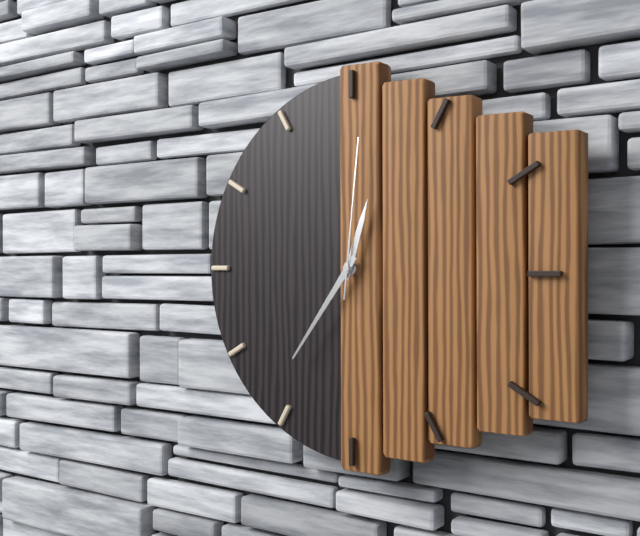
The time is {"hour": 12, "minute": 36, "second": 1}
